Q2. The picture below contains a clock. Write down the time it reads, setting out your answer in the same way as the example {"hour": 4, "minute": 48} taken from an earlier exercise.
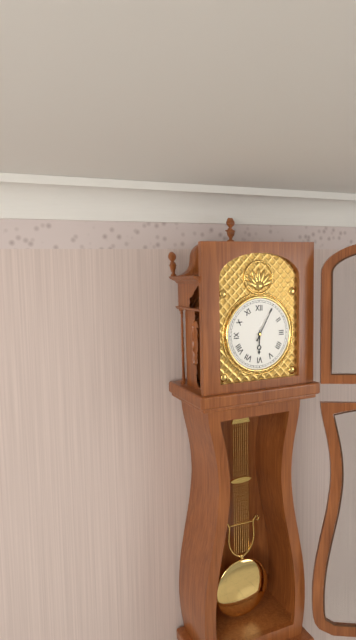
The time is {"hour": 6, "minute": 5}
